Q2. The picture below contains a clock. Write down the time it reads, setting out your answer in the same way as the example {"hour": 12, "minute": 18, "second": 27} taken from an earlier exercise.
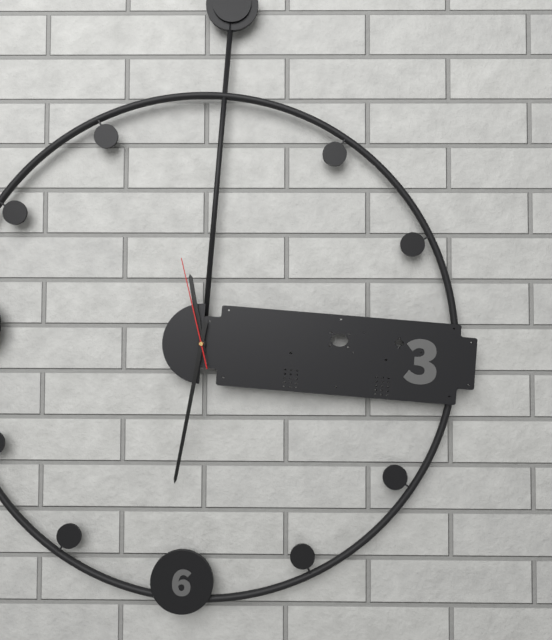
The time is {"hour": 11, "minute": 31, "second": 57}
